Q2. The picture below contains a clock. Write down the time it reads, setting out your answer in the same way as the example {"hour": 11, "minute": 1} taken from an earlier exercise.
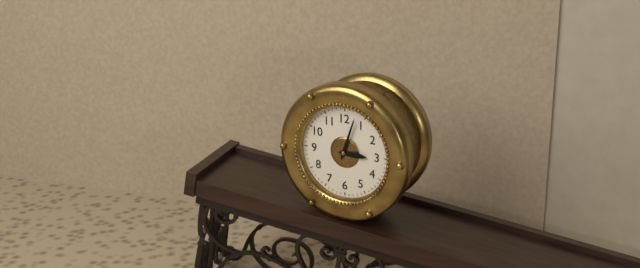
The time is {"hour": 3, "minute": 3}
